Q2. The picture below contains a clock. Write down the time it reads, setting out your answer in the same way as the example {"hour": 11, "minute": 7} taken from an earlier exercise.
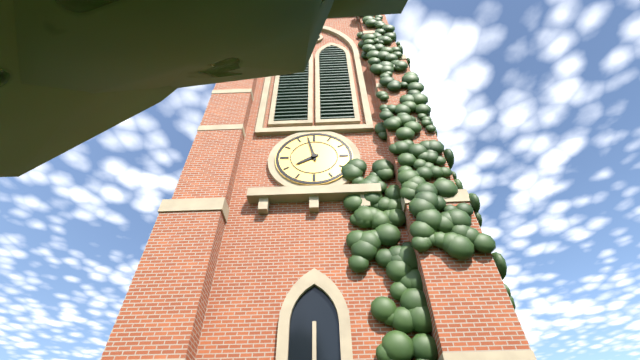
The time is {"hour": 7, "minute": 58}
